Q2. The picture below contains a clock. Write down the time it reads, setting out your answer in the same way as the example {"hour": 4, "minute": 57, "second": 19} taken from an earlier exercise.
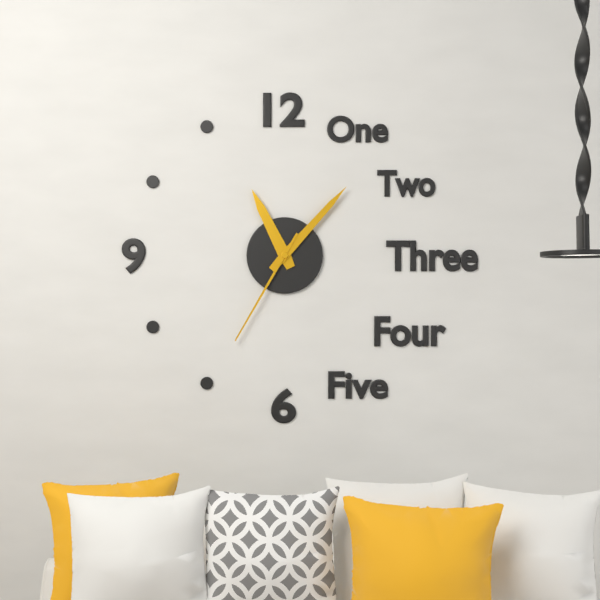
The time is {"hour": 11, "minute": 7, "second": 35}
